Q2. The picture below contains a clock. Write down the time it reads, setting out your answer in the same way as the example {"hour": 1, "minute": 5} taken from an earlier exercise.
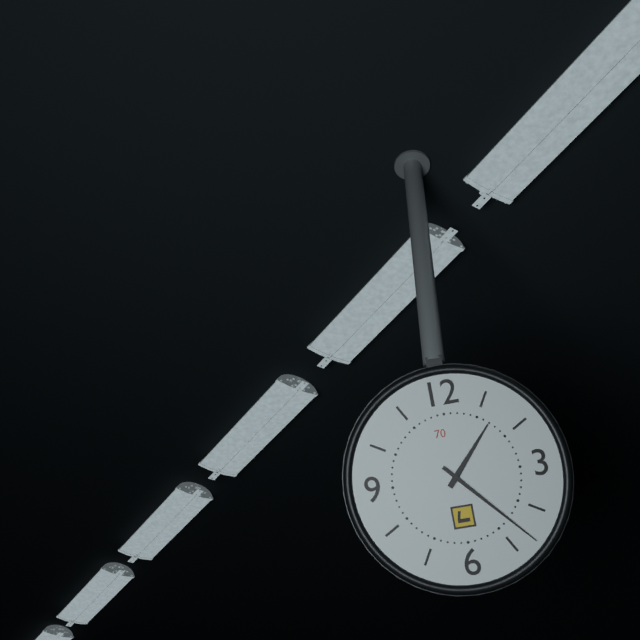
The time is {"hour": 1, "minute": 23}
